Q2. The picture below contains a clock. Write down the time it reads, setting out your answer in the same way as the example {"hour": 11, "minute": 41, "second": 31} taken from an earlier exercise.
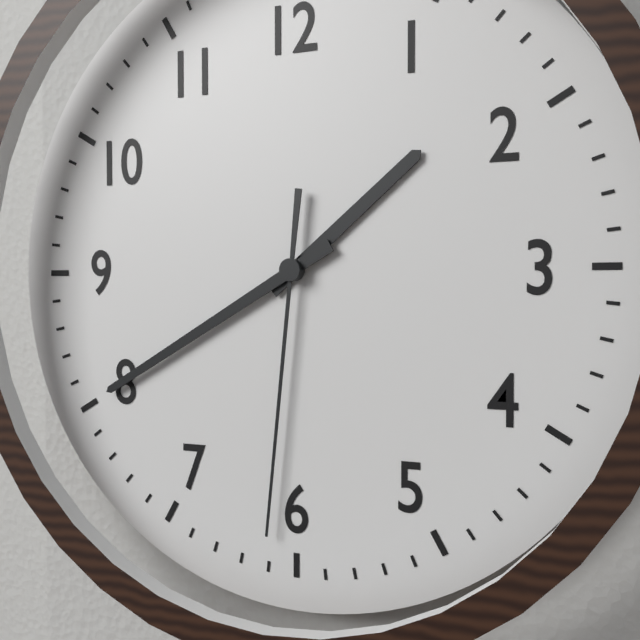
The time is {"hour": 1, "minute": 40, "second": 31}
